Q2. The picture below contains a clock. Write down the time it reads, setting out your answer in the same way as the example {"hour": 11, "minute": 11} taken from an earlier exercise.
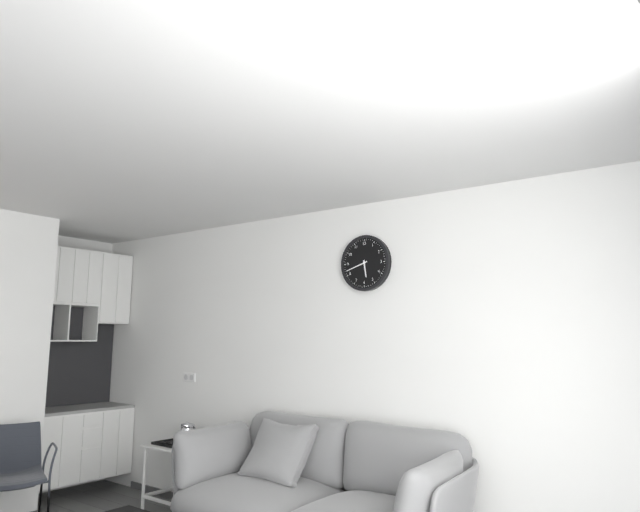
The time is {"hour": 5, "minute": 42}
